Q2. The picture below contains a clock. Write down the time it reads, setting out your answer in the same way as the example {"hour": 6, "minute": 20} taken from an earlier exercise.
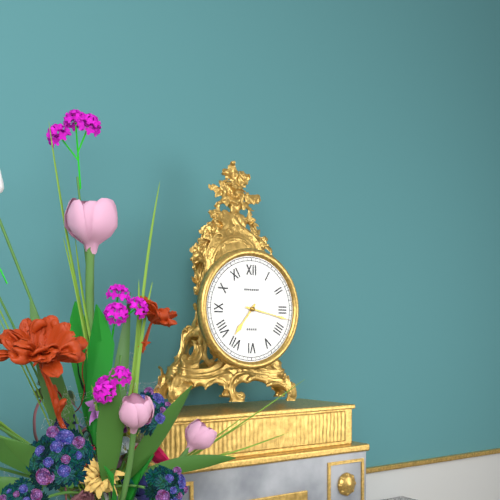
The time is {"hour": 7, "minute": 17}
